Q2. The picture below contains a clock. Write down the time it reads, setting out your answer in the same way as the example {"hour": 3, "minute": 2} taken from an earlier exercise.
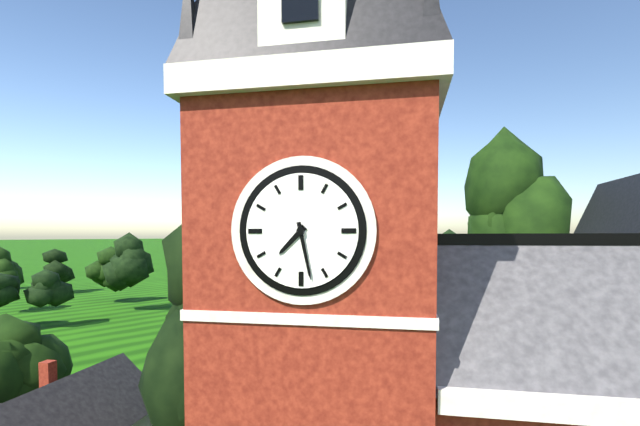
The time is {"hour": 7, "minute": 28}
